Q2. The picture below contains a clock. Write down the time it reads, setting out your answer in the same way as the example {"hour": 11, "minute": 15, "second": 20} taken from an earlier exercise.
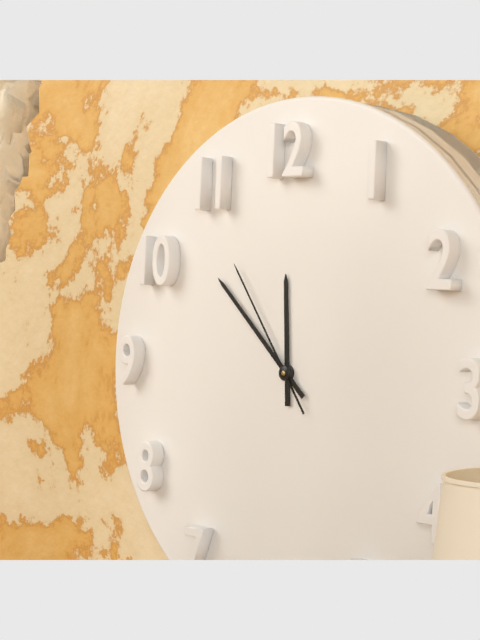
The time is {"hour": 11, "minute": 52, "second": 54}
